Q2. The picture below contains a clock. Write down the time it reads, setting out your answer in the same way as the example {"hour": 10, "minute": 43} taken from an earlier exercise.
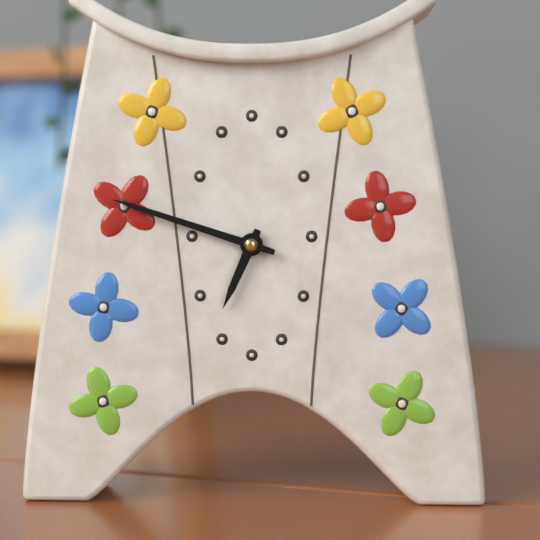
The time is {"hour": 6, "minute": 48}
